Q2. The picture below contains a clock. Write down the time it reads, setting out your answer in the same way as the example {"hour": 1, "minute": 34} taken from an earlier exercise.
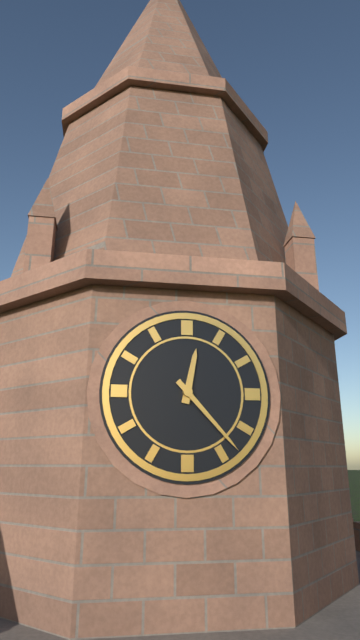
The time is {"hour": 12, "minute": 23}
